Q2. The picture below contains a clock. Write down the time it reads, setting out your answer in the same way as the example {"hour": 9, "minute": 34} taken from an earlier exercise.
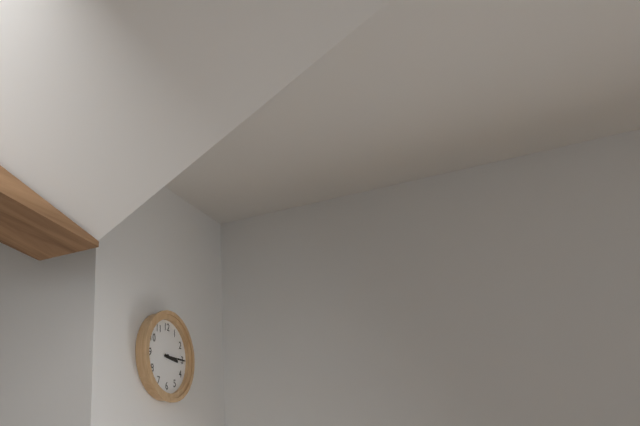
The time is {"hour": 3, "minute": 15}
